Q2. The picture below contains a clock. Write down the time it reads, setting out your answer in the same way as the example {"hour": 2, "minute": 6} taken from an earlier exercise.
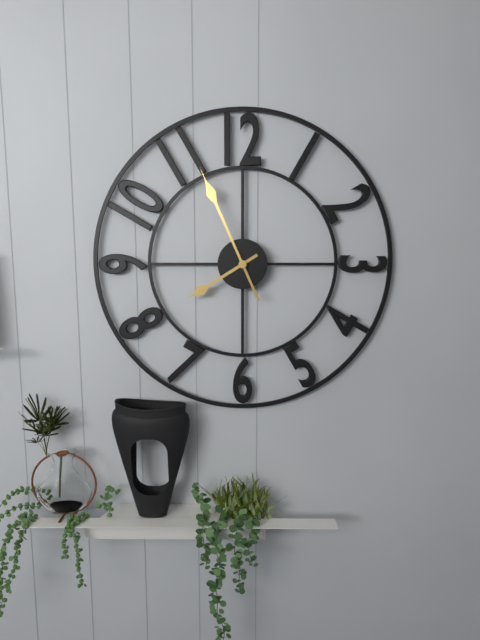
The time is {"hour": 7, "minute": 56}
